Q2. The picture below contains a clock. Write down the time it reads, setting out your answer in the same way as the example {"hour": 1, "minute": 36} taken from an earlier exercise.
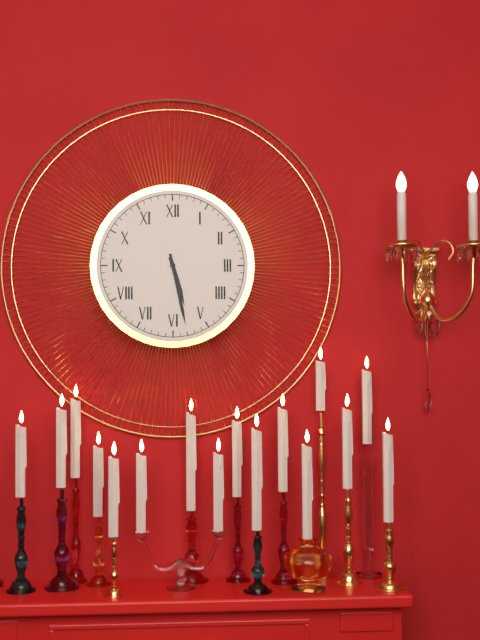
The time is {"hour": 5, "minute": 28}
